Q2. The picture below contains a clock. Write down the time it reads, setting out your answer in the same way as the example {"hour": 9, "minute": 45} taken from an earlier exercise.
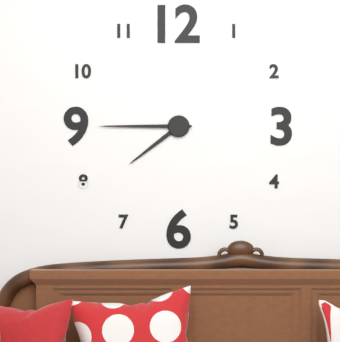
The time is {"hour": 7, "minute": 45}
